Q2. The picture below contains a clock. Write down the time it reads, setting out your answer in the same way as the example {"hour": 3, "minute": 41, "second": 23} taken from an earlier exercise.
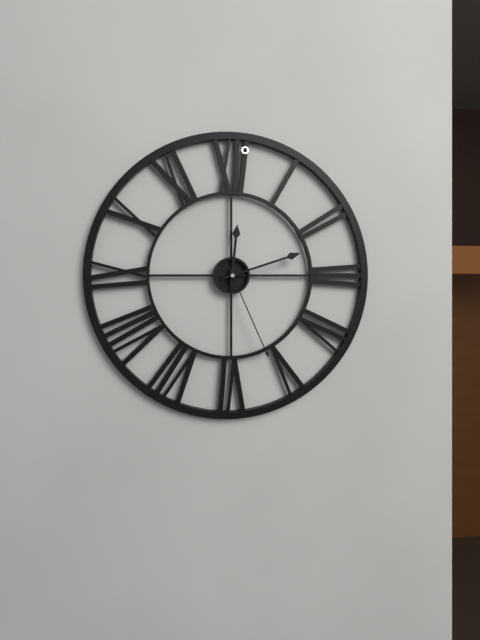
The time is {"hour": 12, "minute": 12, "second": 26}
